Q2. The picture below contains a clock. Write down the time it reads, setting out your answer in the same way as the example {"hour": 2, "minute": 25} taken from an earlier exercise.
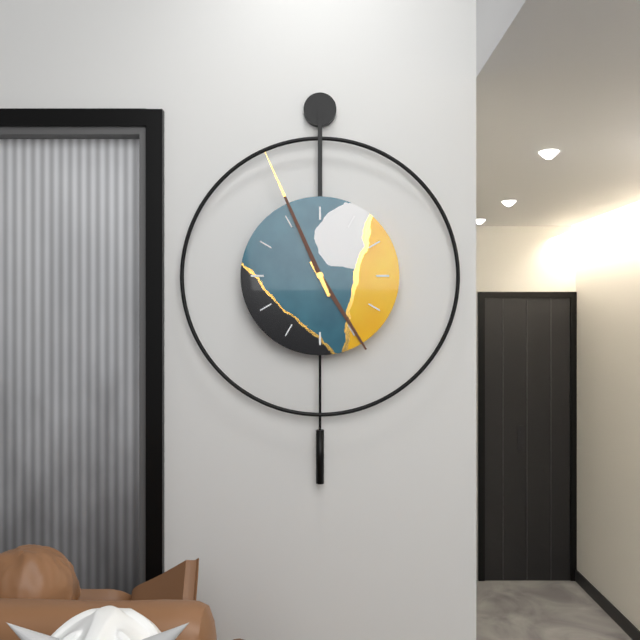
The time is {"hour": 4, "minute": 56}
